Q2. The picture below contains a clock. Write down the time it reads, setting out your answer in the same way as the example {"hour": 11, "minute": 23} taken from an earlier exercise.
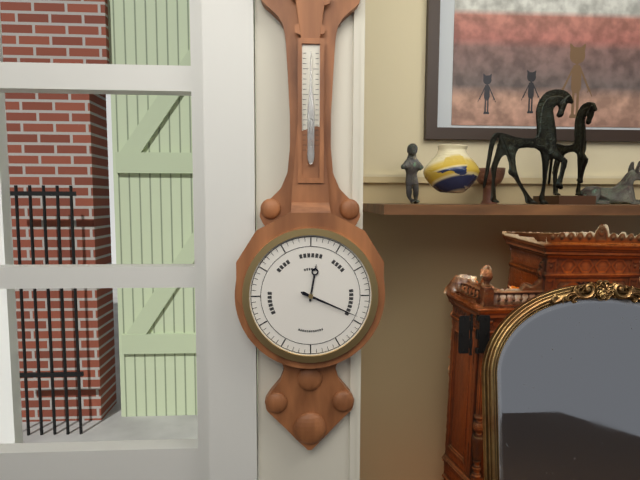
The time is {"hour": 12, "minute": 19}
